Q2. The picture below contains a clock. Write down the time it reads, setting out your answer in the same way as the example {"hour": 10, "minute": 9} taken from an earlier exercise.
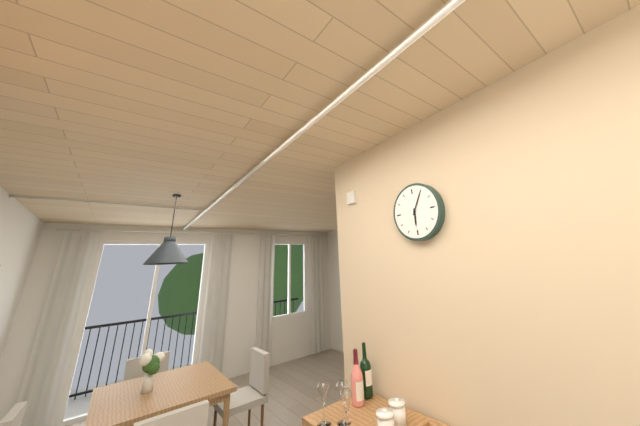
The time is {"hour": 6, "minute": 5}
